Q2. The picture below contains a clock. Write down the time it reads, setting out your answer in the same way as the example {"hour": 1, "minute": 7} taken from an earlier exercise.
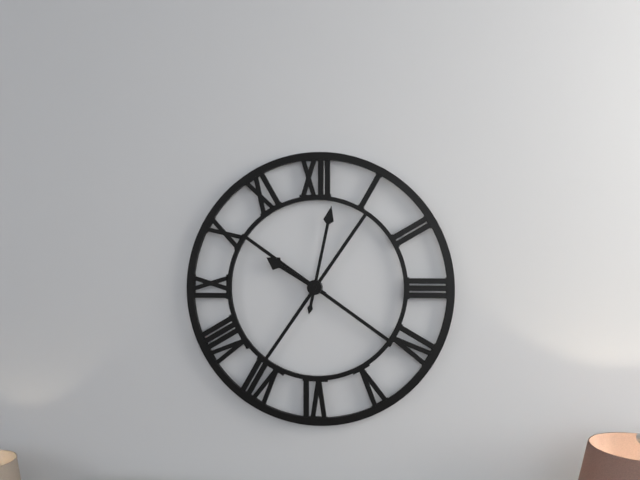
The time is {"hour": 10, "minute": 2}
